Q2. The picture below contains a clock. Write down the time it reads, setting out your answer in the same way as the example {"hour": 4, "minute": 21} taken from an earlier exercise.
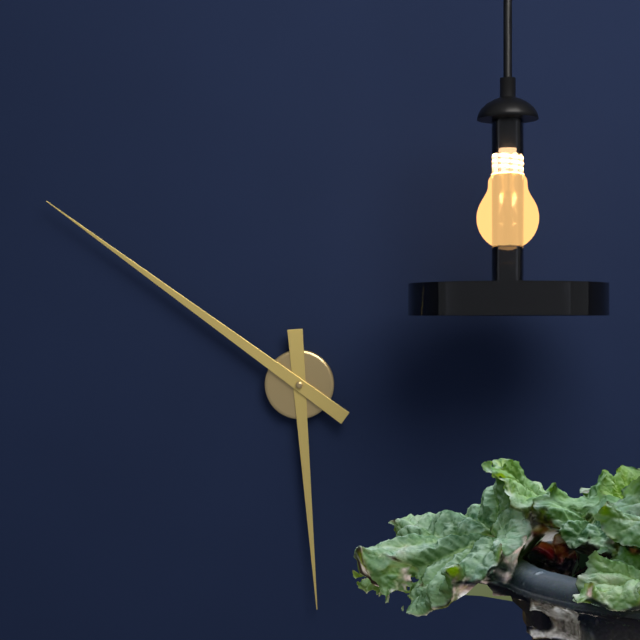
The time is {"hour": 5, "minute": 51}
